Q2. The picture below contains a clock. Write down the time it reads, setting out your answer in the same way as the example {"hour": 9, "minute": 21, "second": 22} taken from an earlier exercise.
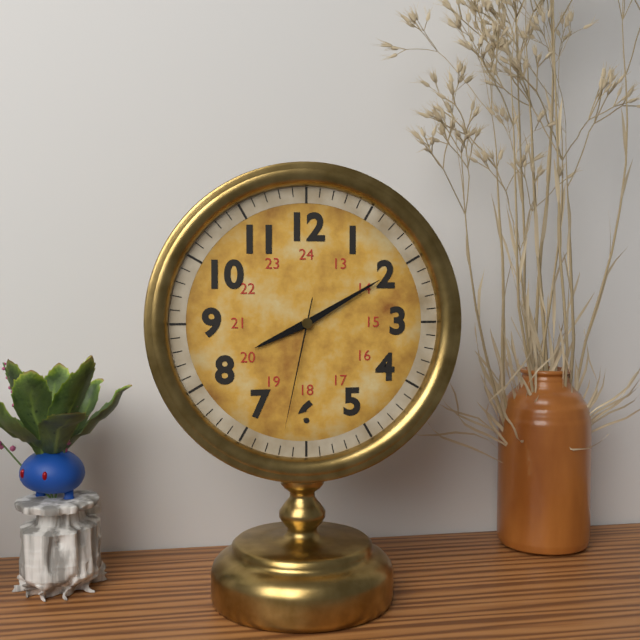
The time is {"hour": 8, "minute": 10, "second": 32}
